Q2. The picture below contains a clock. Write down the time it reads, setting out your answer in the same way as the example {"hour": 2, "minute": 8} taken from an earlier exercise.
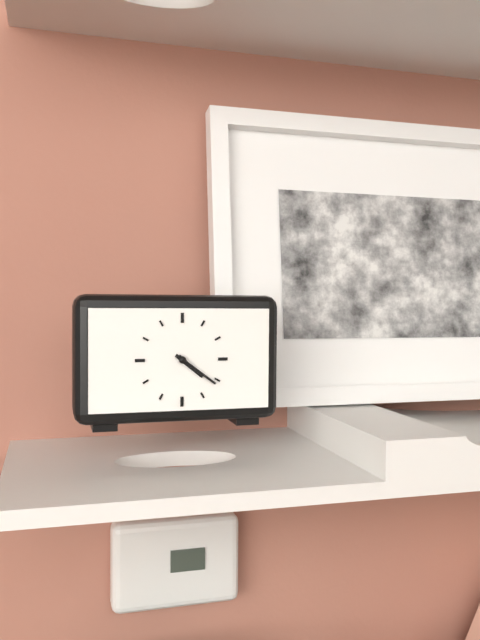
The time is {"hour": 4, "minute": 21}
